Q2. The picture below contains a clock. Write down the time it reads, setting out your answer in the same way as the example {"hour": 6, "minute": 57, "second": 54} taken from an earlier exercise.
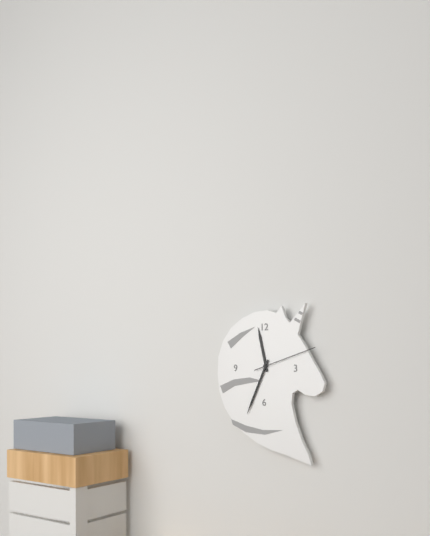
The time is {"hour": 11, "minute": 34, "second": 12}
